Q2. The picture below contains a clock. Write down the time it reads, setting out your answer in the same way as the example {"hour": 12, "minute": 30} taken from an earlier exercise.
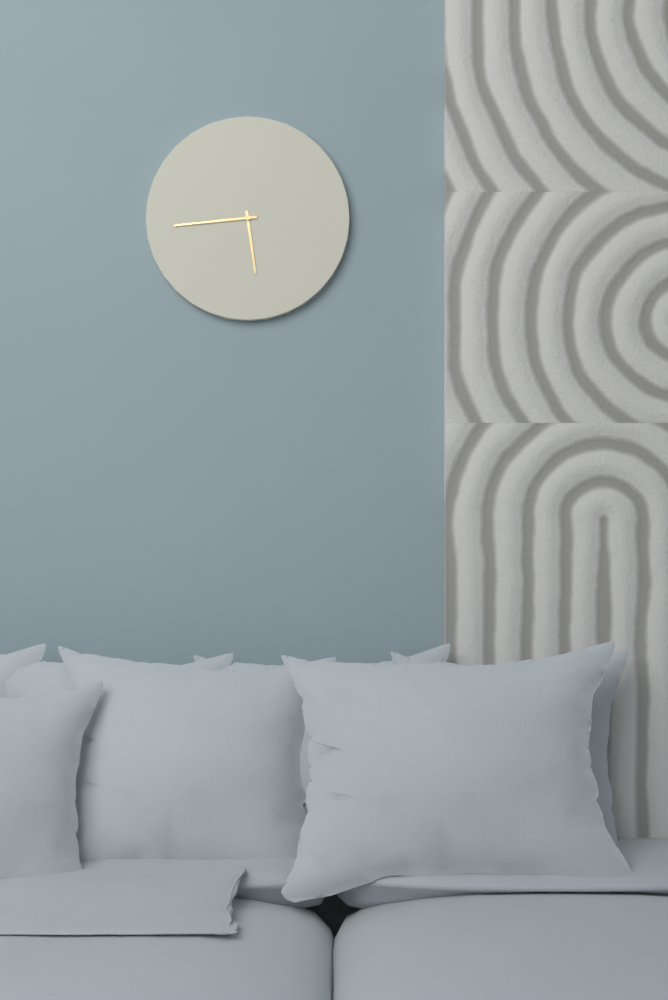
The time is {"hour": 5, "minute": 44}
